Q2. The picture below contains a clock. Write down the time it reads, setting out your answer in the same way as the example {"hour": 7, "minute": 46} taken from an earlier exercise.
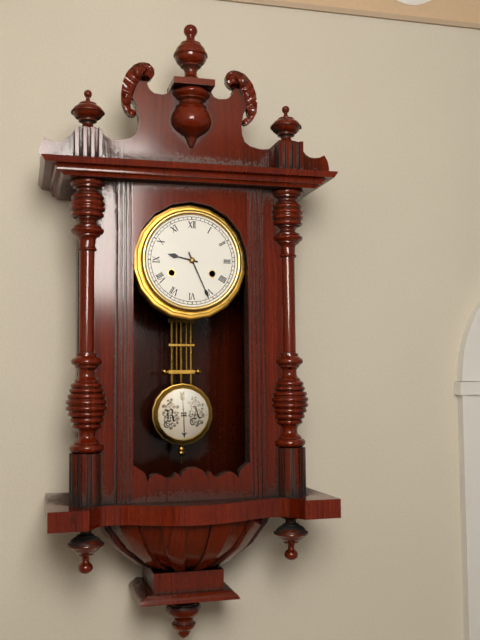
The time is {"hour": 9, "minute": 26}
